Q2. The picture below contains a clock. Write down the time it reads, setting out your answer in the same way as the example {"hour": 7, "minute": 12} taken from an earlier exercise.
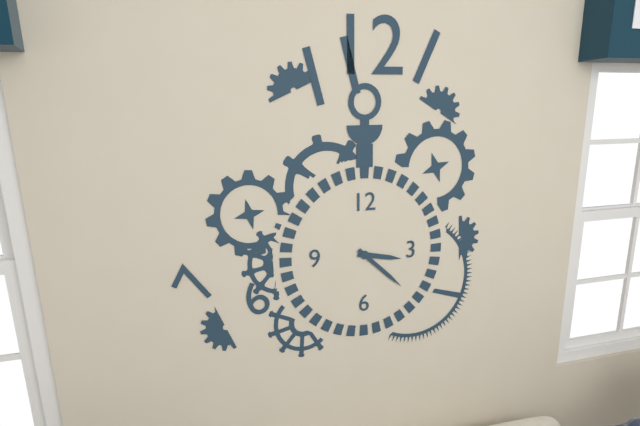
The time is {"hour": 3, "minute": 22}
